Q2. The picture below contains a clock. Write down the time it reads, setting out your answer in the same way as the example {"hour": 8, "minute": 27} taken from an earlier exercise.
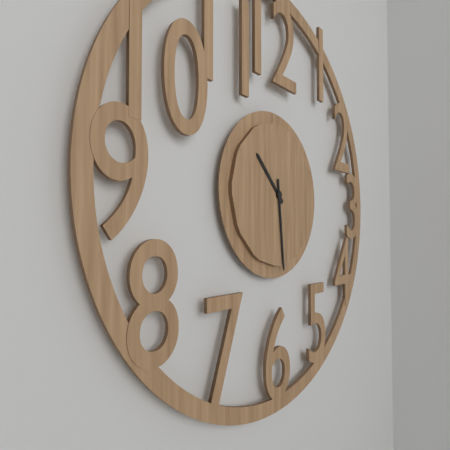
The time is {"hour": 10, "minute": 29}
